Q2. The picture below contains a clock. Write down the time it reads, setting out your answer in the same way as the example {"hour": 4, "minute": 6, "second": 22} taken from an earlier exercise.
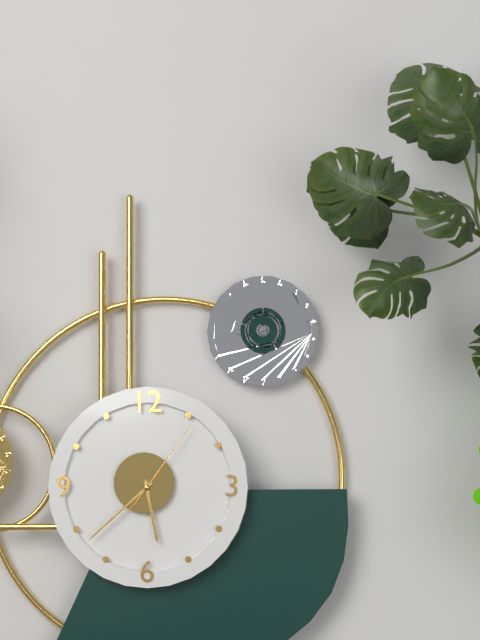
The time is {"hour": 5, "minute": 38, "second": 6}
